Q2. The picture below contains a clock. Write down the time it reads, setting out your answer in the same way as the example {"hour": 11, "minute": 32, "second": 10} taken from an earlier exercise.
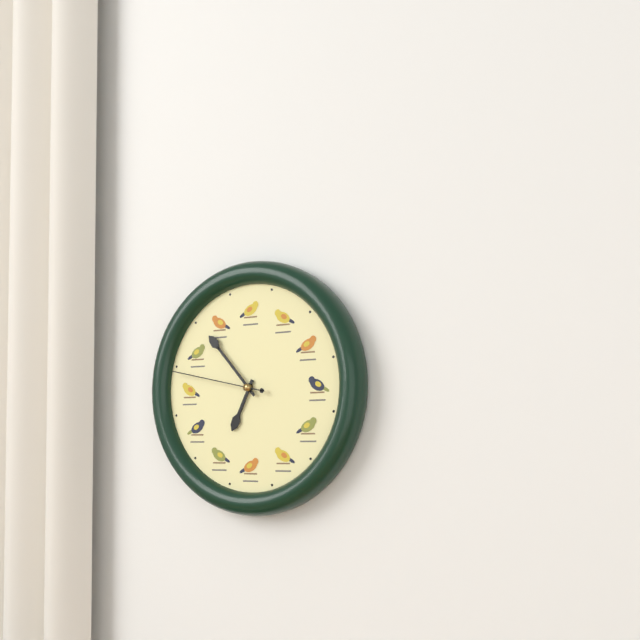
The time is {"hour": 6, "minute": 53, "second": 47}
